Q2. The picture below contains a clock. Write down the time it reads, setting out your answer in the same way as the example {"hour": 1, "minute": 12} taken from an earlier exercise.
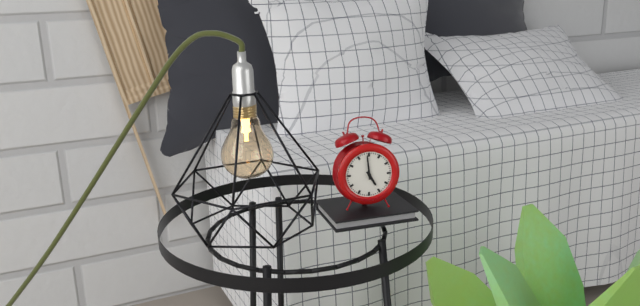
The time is {"hour": 4, "minute": 59}
